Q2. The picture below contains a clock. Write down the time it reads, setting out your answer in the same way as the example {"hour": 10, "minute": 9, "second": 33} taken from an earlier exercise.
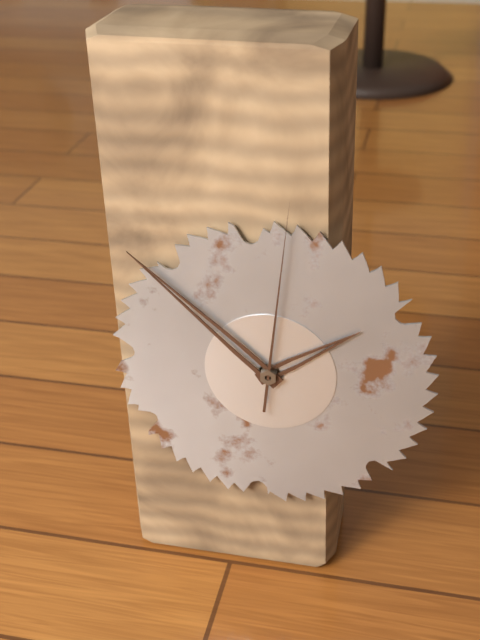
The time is {"hour": 1, "minute": 52, "second": 1}
